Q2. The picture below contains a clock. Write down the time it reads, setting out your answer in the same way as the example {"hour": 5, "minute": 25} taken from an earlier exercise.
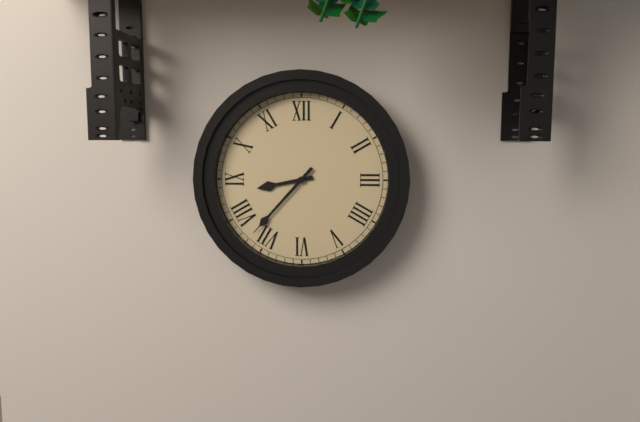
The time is {"hour": 8, "minute": 37}
